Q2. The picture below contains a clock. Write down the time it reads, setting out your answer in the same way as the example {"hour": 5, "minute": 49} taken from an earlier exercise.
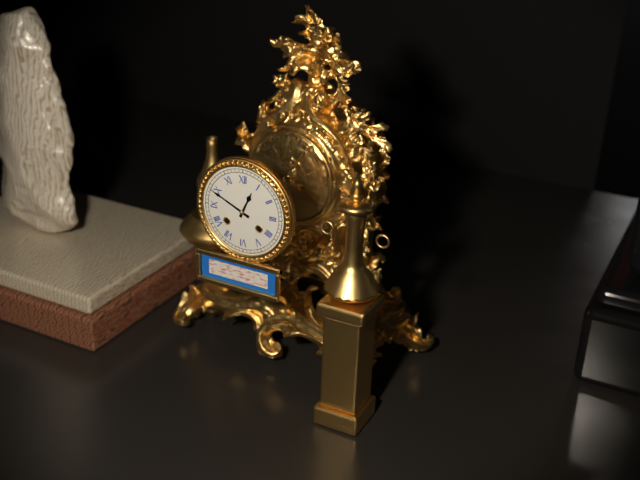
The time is {"hour": 12, "minute": 49}
